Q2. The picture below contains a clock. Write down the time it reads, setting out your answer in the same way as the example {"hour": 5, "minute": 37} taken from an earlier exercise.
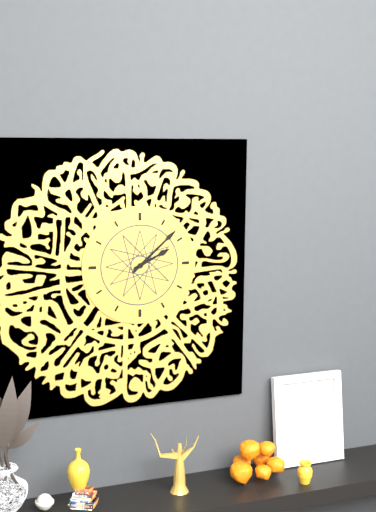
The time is {"hour": 2, "minute": 8}
